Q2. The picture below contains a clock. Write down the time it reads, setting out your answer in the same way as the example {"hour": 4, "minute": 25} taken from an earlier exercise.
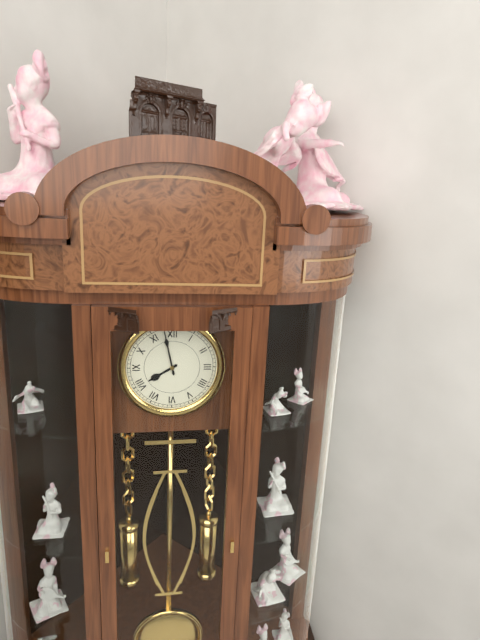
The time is {"hour": 7, "minute": 58}
